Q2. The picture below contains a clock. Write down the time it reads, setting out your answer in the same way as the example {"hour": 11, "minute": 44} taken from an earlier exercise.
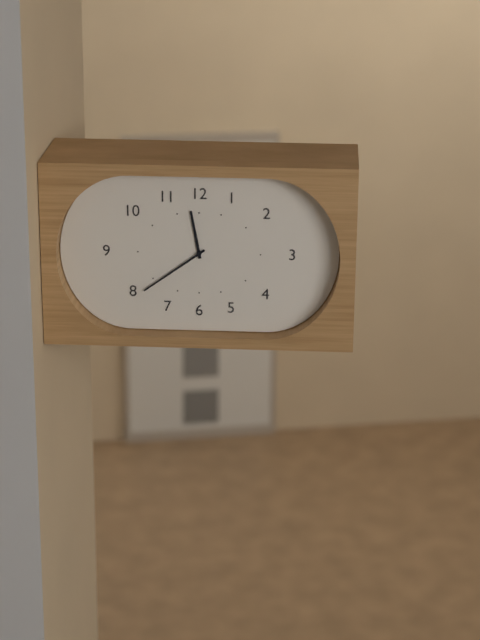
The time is {"hour": 11, "minute": 39}
